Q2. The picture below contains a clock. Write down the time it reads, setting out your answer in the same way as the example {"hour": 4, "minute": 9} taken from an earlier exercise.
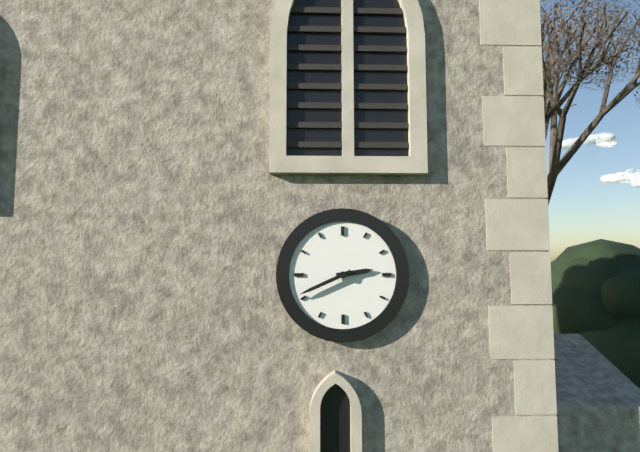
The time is {"hour": 2, "minute": 41}
